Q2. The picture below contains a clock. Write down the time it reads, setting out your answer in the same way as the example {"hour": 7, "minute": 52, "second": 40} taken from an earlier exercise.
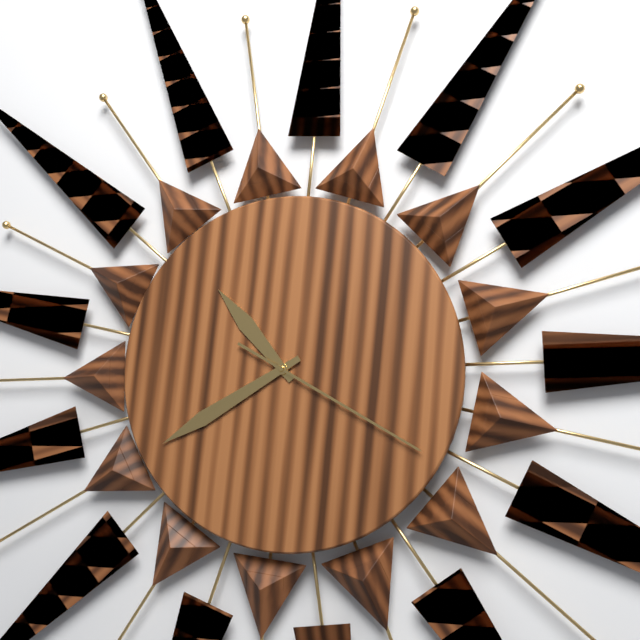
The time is {"hour": 10, "minute": 40, "second": 20}
